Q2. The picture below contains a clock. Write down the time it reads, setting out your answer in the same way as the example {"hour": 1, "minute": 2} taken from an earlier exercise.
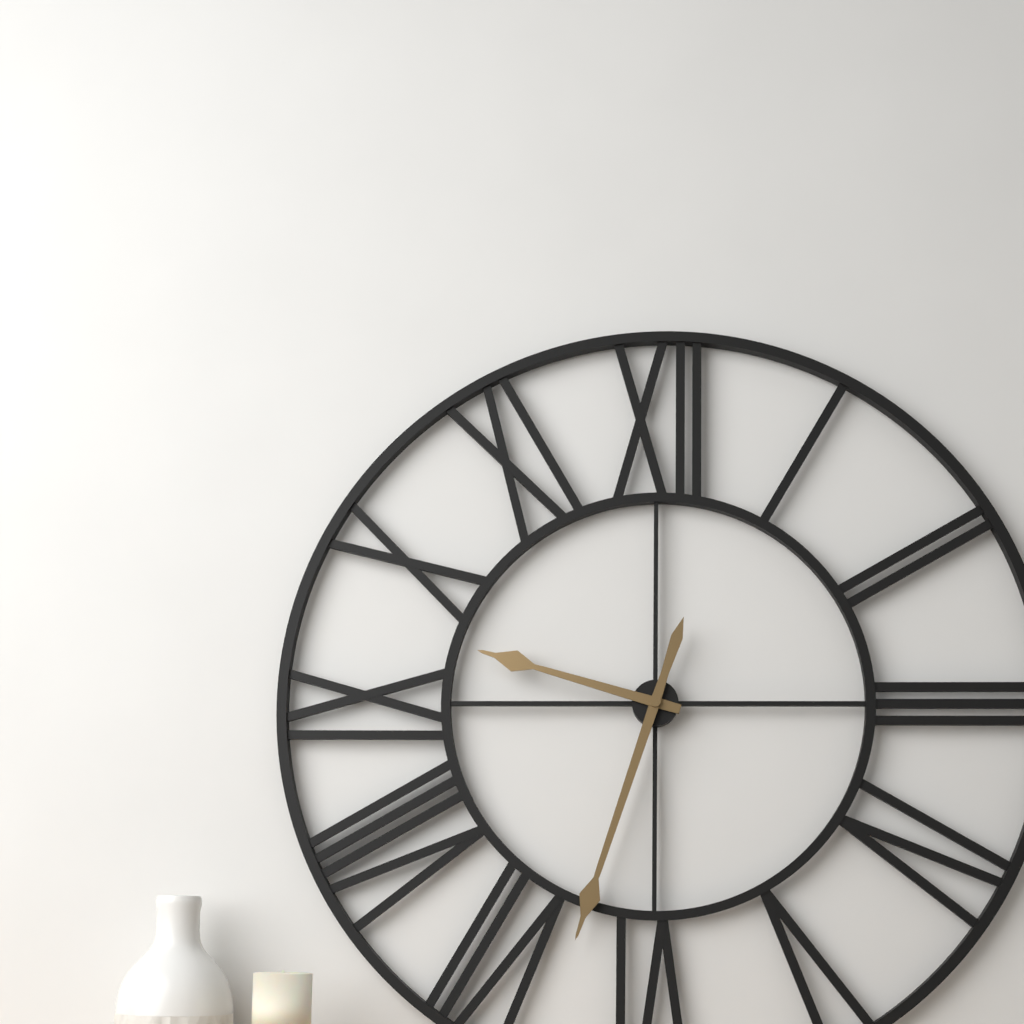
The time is {"hour": 9, "minute": 33}
